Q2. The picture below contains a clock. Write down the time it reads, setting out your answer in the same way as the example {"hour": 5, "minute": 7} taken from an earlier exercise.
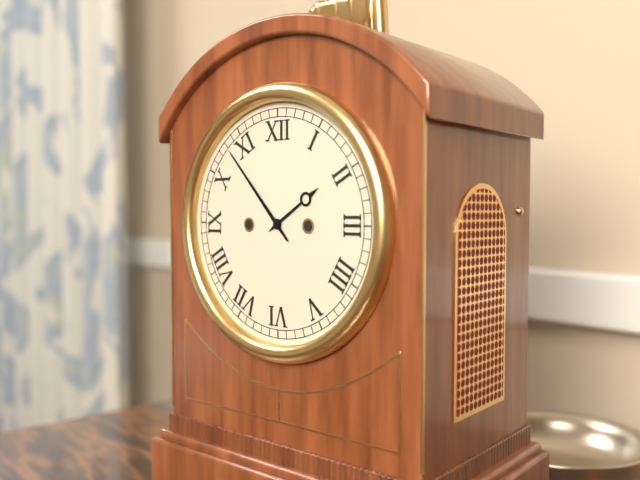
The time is {"hour": 1, "minute": 53}
